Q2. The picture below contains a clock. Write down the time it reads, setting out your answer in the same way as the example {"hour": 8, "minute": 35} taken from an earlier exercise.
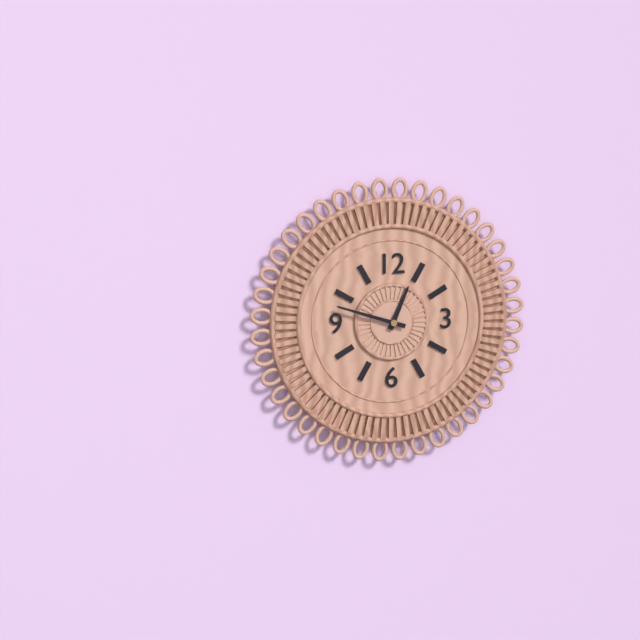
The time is {"hour": 12, "minute": 48}
